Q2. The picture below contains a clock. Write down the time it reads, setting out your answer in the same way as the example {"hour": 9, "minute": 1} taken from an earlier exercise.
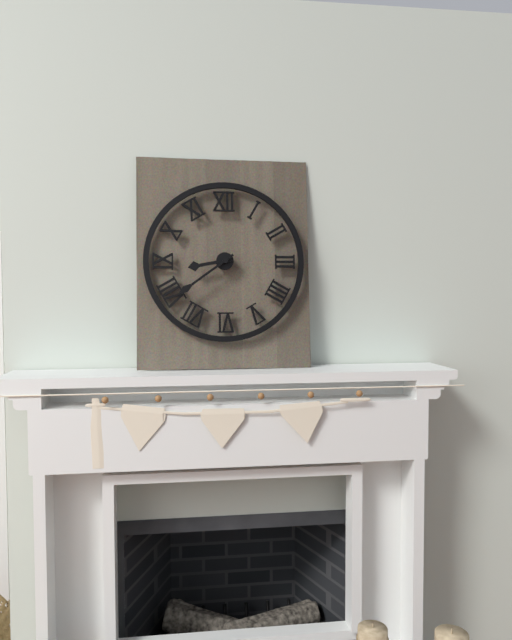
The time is {"hour": 8, "minute": 39}
